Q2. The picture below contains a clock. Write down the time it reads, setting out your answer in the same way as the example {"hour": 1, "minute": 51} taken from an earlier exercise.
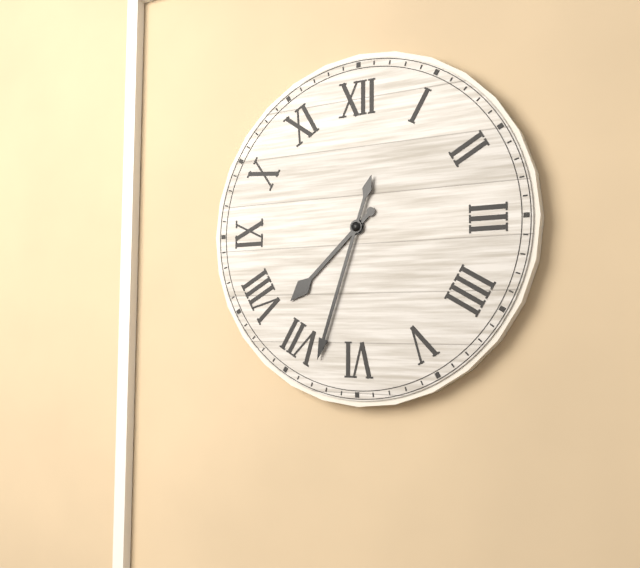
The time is {"hour": 7, "minute": 33}
